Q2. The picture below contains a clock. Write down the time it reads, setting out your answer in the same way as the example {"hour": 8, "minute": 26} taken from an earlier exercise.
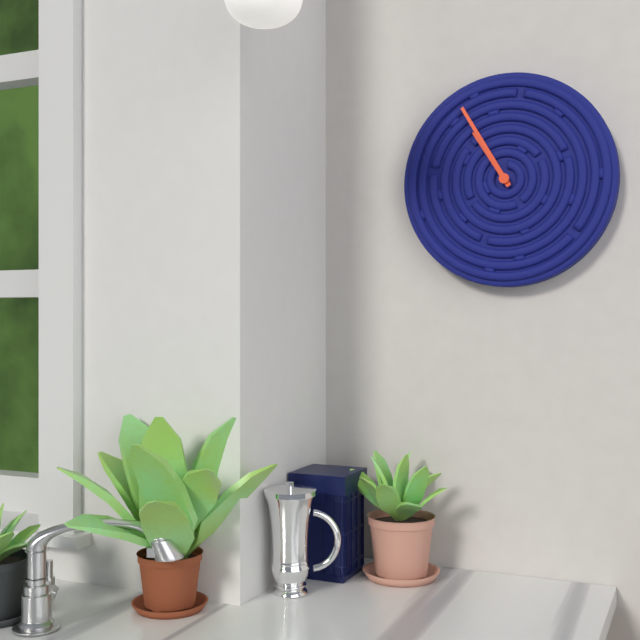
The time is {"hour": 10, "minute": 55}
